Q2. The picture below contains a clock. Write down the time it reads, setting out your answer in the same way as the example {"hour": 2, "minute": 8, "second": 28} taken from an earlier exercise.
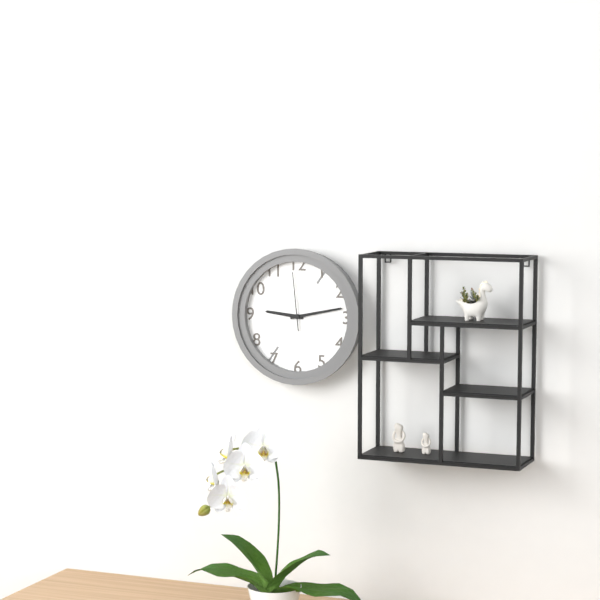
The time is {"hour": 9, "minute": 13, "second": 59}
